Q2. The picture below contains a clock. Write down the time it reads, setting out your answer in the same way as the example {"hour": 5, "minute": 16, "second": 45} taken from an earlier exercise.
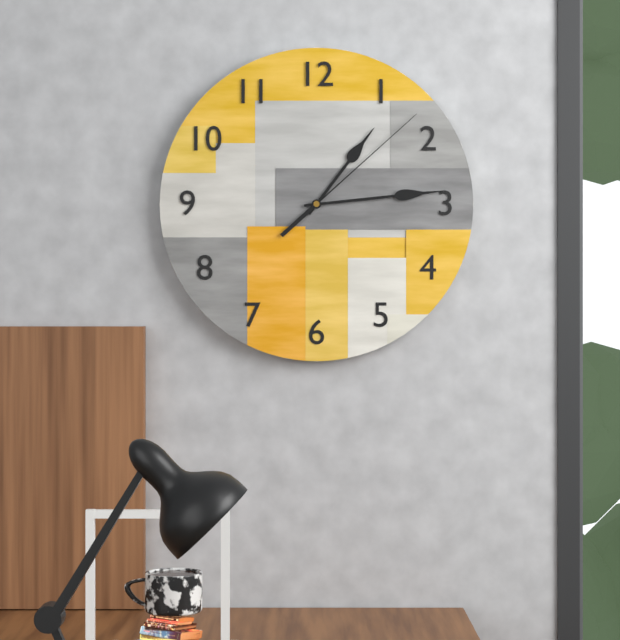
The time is {"hour": 1, "minute": 14, "second": 8}
